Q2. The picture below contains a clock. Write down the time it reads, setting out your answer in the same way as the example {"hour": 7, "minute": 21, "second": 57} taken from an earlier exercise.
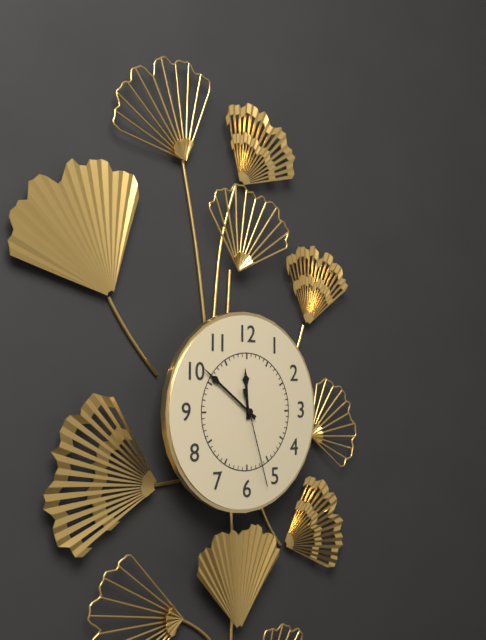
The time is {"hour": 11, "minute": 51, "second": 27}
